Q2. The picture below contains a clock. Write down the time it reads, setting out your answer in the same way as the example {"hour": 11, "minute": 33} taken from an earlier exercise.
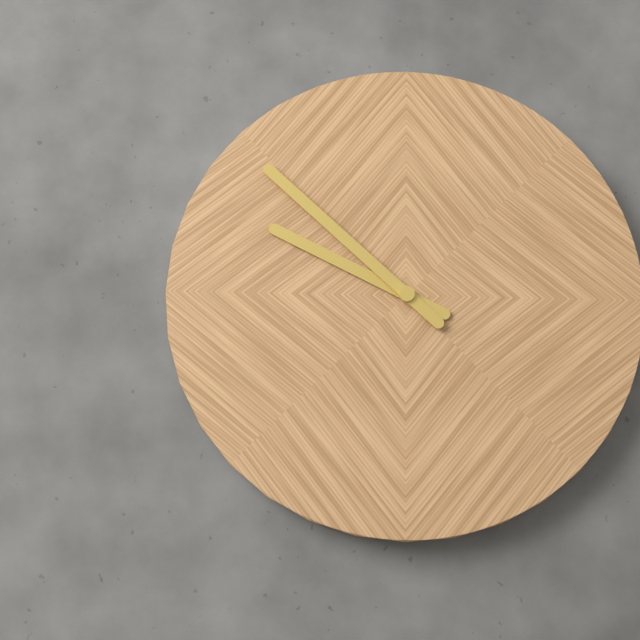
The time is {"hour": 9, "minute": 52}
